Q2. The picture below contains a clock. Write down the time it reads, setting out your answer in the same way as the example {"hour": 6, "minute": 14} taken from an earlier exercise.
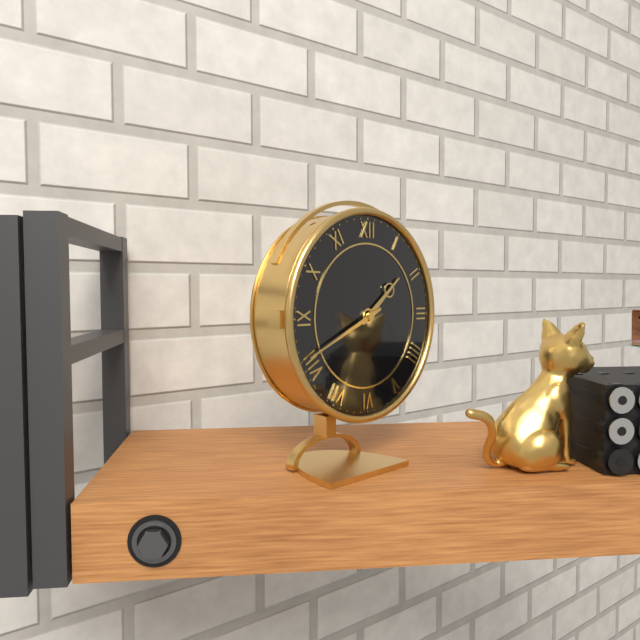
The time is {"hour": 1, "minute": 41}
